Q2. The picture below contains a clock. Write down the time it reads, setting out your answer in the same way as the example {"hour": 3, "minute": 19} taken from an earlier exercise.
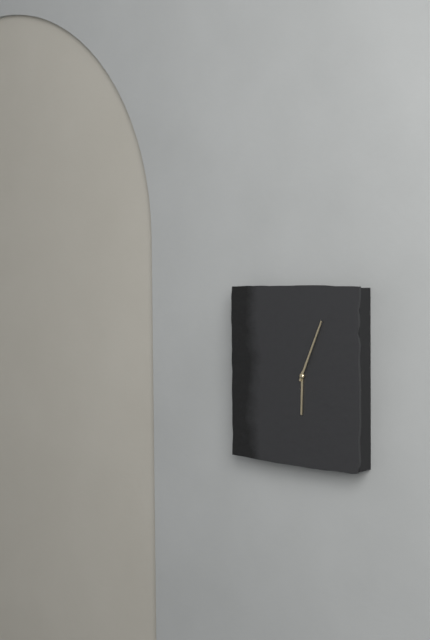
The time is {"hour": 6, "minute": 4}
